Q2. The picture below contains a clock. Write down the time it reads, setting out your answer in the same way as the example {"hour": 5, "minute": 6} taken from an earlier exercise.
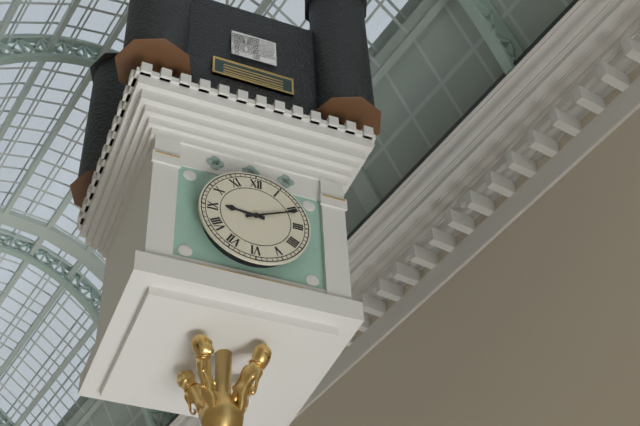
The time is {"hour": 9, "minute": 11}
